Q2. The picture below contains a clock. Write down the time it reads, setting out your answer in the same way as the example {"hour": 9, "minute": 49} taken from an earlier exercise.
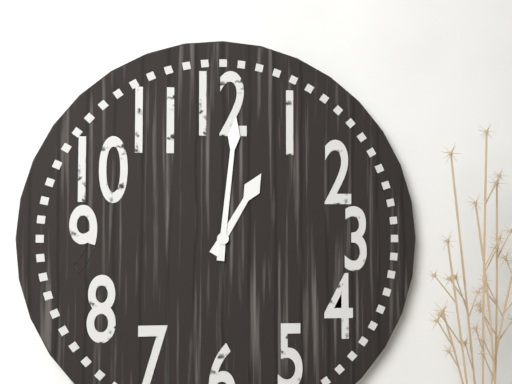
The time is {"hour": 1, "minute": 1}
